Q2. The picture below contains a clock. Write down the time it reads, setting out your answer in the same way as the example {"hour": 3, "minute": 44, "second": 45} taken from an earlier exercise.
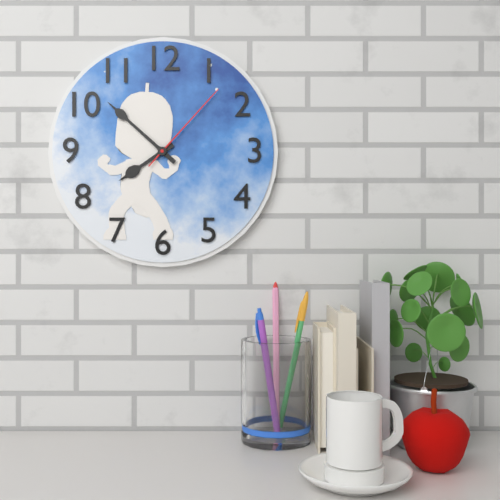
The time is {"hour": 7, "minute": 52, "second": 7}
